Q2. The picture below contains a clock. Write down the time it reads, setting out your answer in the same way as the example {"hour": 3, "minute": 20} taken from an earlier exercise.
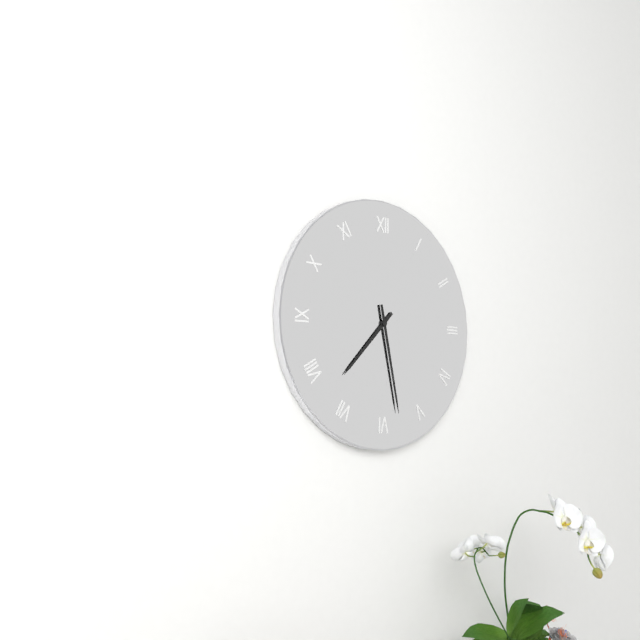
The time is {"hour": 7, "minute": 28}
